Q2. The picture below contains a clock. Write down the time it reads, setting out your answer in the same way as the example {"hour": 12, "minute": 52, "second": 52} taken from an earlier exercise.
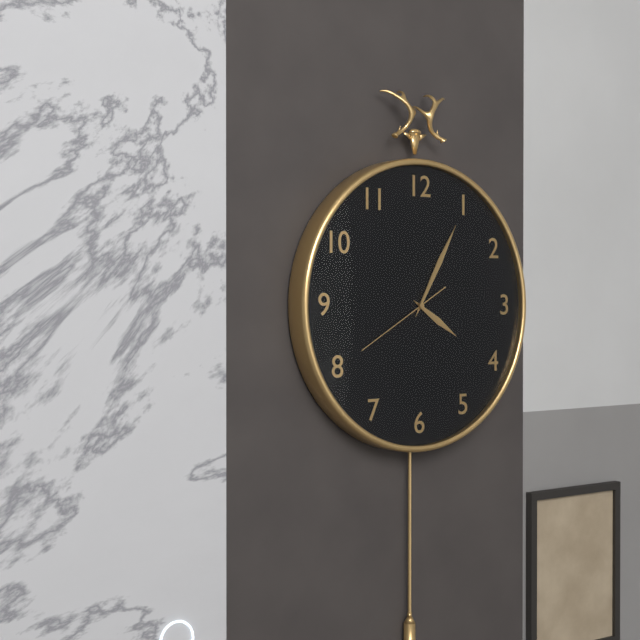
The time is {"hour": 4, "minute": 5, "second": 40}
